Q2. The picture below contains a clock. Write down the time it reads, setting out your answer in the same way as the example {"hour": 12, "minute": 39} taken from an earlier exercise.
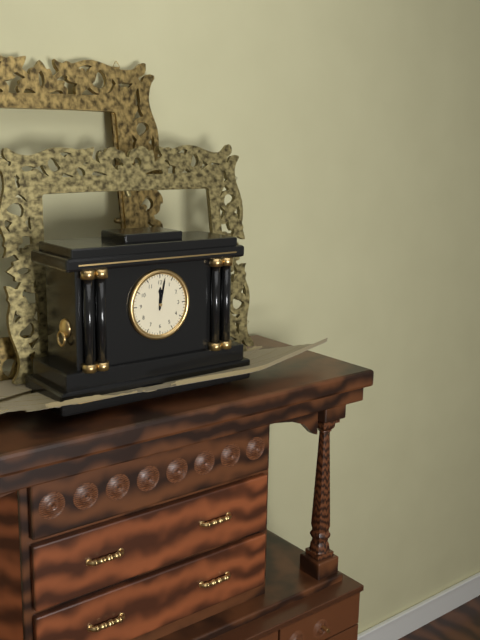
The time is {"hour": 12, "minute": 2}
